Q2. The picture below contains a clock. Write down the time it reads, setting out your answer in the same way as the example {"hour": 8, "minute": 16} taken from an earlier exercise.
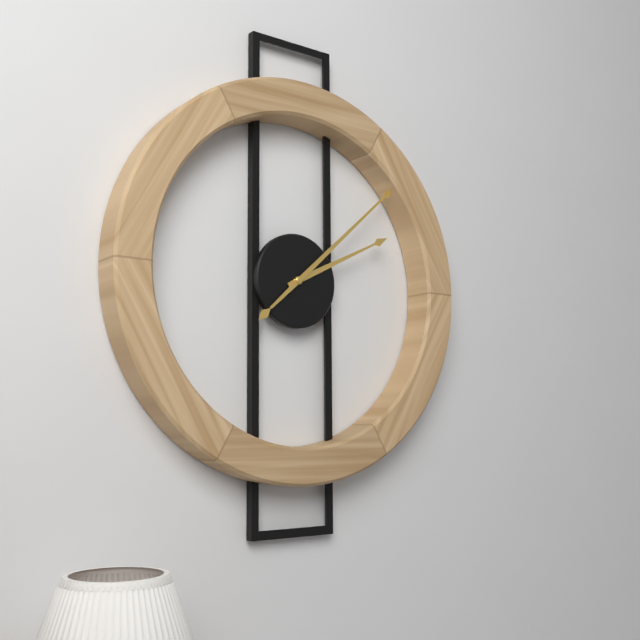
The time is {"hour": 2, "minute": 8}
